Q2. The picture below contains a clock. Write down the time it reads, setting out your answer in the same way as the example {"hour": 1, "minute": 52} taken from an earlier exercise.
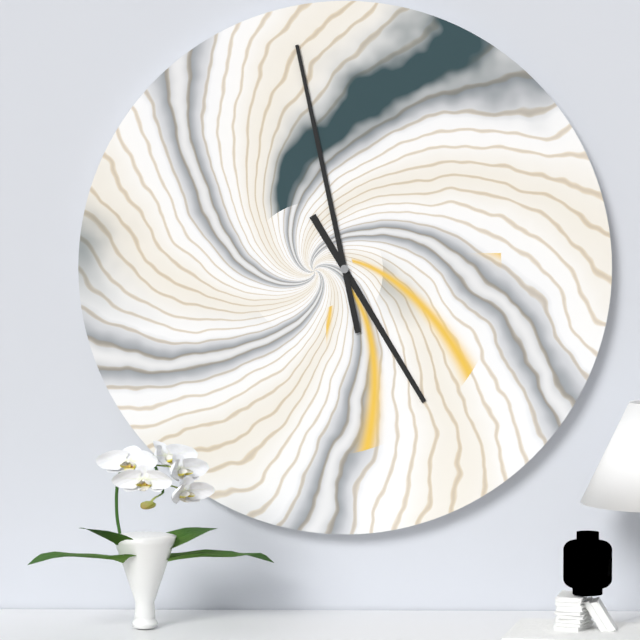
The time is {"hour": 4, "minute": 58}
